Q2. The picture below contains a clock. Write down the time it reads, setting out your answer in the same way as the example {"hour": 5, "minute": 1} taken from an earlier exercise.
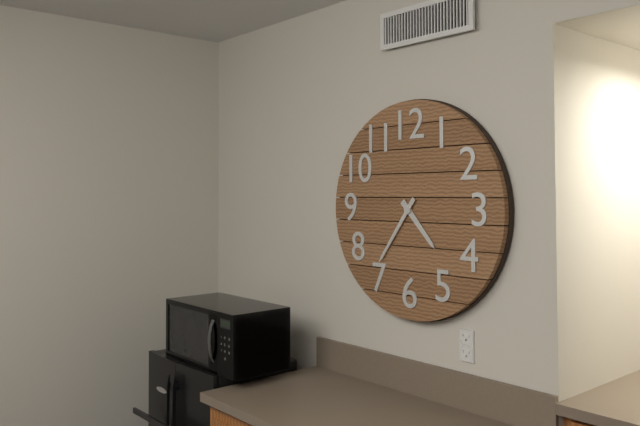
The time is {"hour": 4, "minute": 36}
